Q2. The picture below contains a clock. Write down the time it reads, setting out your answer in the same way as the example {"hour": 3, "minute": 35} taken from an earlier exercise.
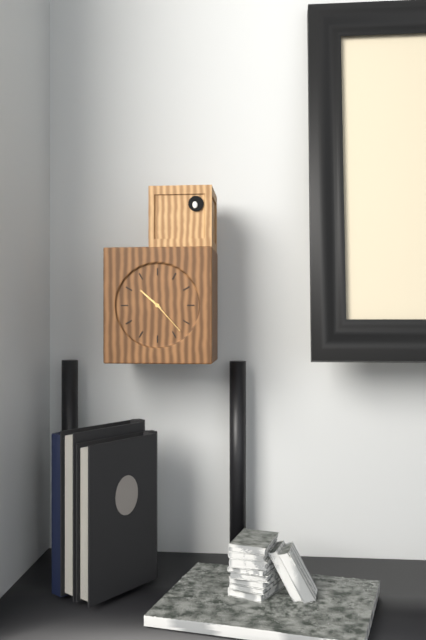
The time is {"hour": 10, "minute": 23}
